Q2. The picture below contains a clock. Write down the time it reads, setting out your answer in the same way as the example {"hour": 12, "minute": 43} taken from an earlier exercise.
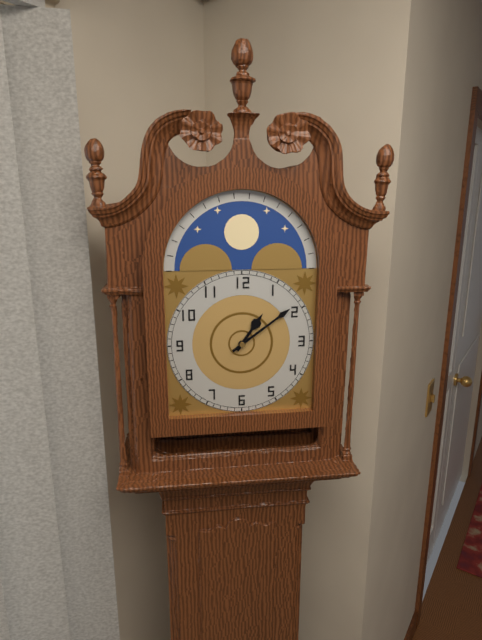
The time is {"hour": 1, "minute": 9}
